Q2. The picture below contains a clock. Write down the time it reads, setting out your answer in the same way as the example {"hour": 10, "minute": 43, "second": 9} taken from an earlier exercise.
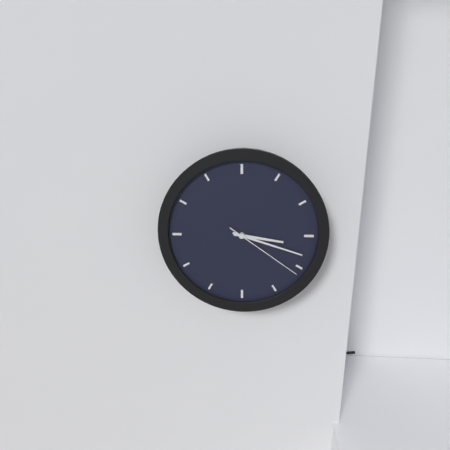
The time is {"hour": 3, "minute": 18, "second": 21}
